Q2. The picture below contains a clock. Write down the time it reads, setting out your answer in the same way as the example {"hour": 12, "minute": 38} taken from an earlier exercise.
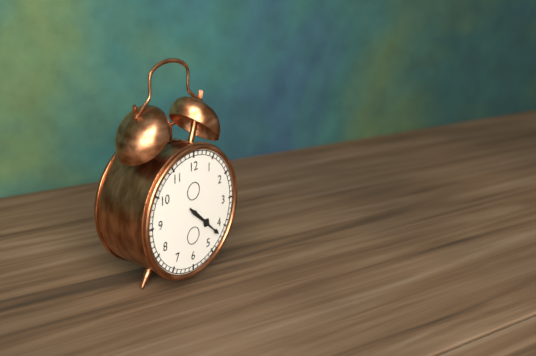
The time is {"hour": 4, "minute": 22}
